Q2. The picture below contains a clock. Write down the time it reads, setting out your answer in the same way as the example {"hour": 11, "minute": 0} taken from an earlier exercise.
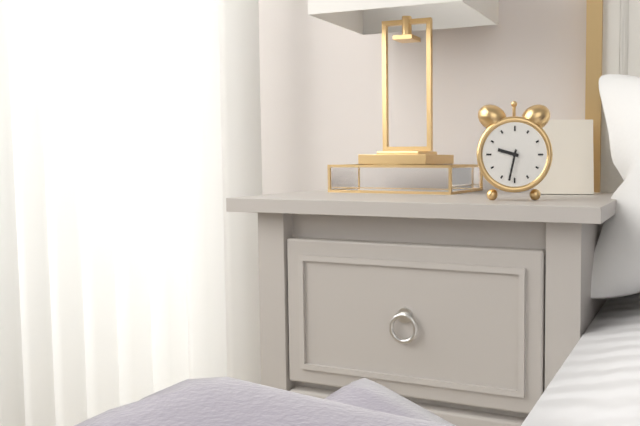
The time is {"hour": 9, "minute": 32}
